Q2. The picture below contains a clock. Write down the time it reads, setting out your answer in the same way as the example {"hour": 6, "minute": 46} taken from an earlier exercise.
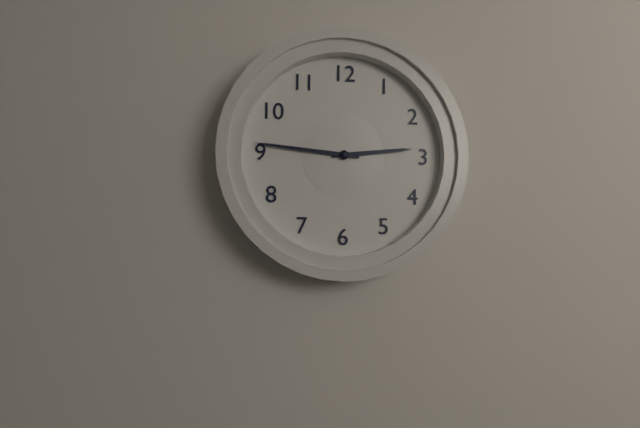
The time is {"hour": 2, "minute": 46}
